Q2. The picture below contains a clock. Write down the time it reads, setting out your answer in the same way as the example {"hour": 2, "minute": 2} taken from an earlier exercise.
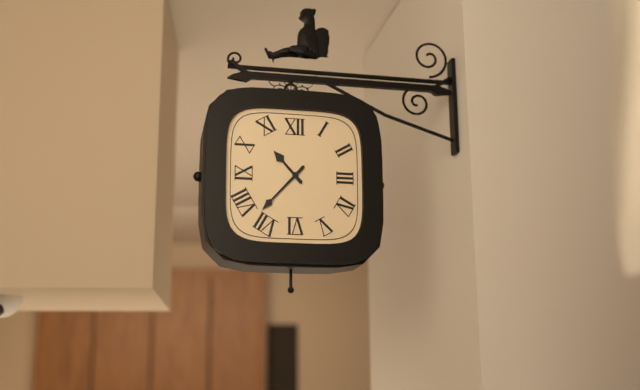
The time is {"hour": 10, "minute": 37}
